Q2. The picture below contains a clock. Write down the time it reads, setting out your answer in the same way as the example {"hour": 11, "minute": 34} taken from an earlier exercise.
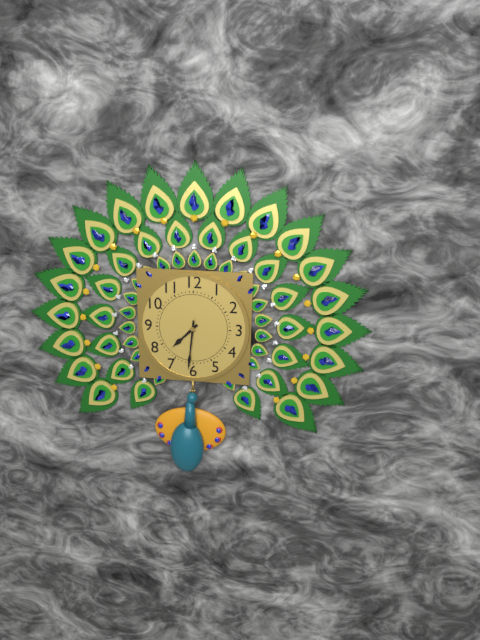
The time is {"hour": 7, "minute": 31}
